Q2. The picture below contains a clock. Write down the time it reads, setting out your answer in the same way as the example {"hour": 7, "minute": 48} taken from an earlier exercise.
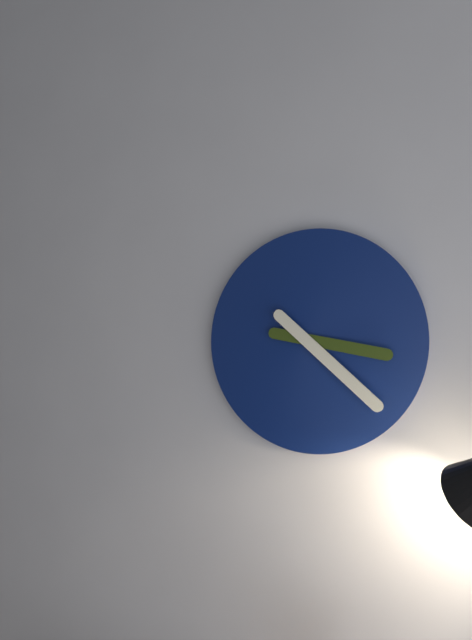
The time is {"hour": 3, "minute": 22}
